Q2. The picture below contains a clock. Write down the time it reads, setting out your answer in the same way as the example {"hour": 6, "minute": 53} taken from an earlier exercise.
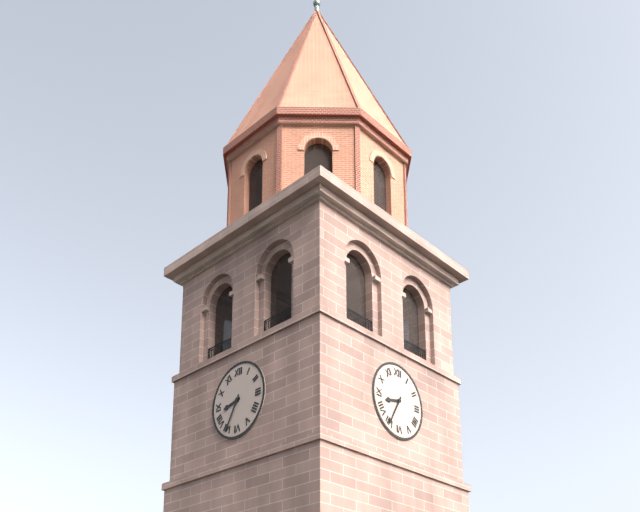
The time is {"hour": 8, "minute": 35}
